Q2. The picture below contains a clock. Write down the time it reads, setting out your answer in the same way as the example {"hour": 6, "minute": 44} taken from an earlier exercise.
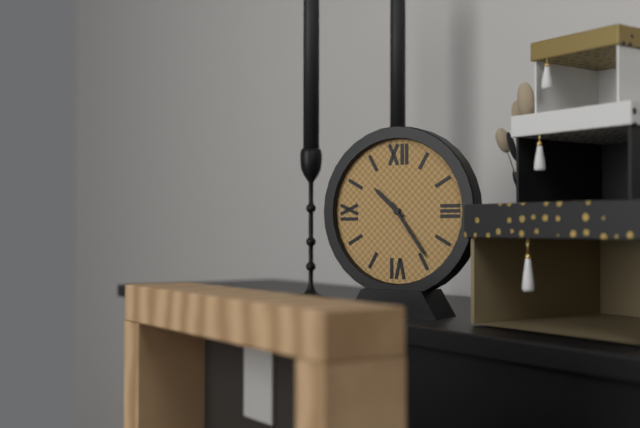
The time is {"hour": 10, "minute": 24}
